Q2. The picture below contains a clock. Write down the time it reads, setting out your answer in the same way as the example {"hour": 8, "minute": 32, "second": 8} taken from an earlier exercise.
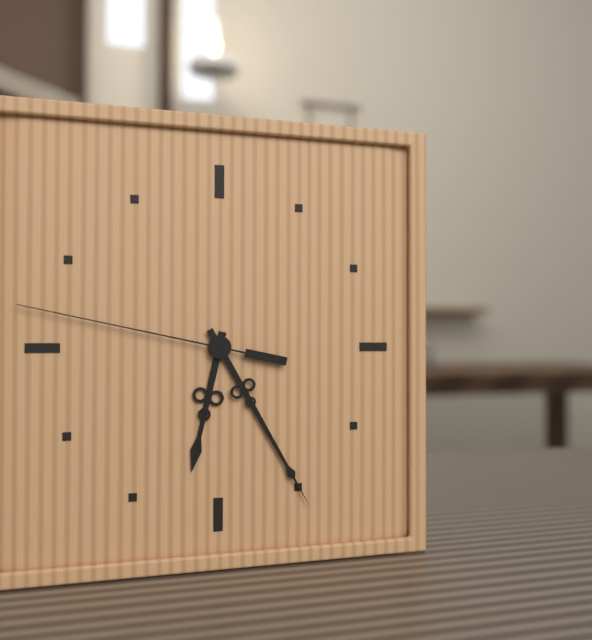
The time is {"hour": 6, "minute": 25, "second": 47}
